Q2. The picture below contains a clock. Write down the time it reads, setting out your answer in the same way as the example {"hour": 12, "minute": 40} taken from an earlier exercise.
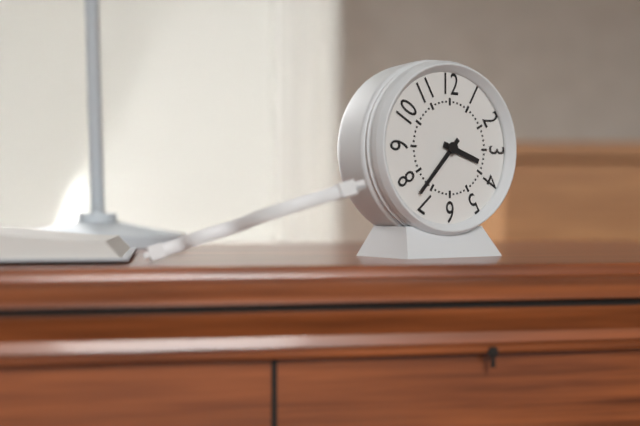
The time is {"hour": 3, "minute": 37}
